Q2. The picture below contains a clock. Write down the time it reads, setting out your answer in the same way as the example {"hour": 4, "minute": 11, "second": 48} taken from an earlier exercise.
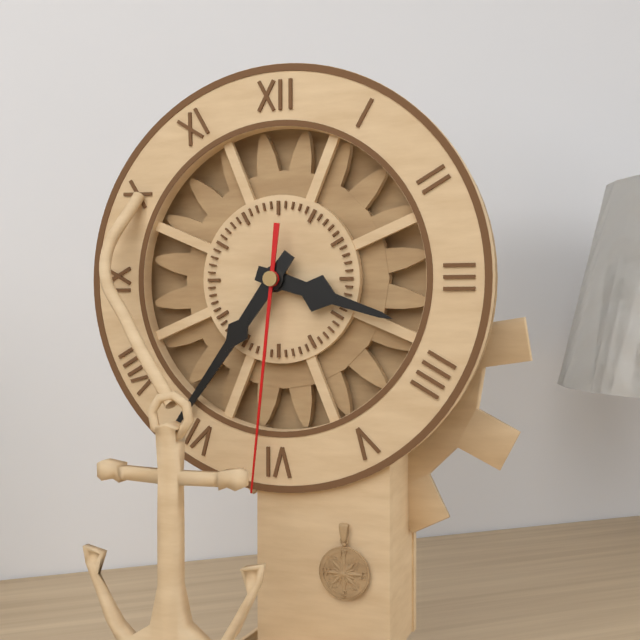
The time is {"hour": 3, "minute": 36, "second": 31}
